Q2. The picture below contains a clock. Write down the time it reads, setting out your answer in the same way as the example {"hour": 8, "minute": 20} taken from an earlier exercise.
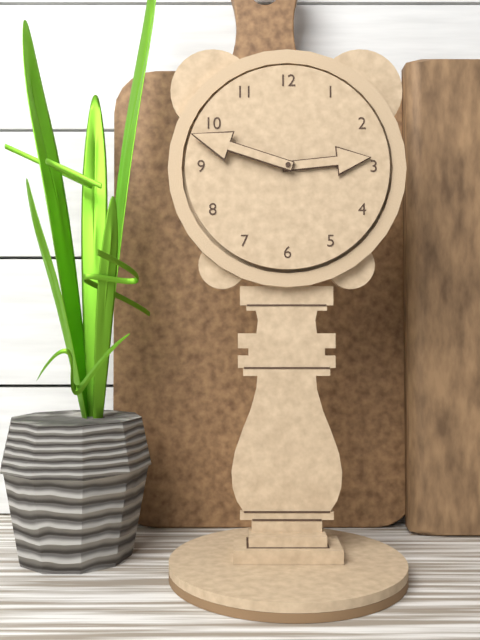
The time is {"hour": 2, "minute": 48}
